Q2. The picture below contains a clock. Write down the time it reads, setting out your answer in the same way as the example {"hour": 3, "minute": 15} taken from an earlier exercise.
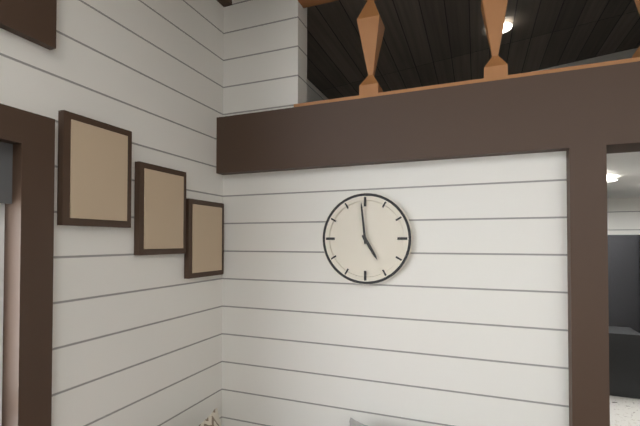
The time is {"hour": 4, "minute": 59}
